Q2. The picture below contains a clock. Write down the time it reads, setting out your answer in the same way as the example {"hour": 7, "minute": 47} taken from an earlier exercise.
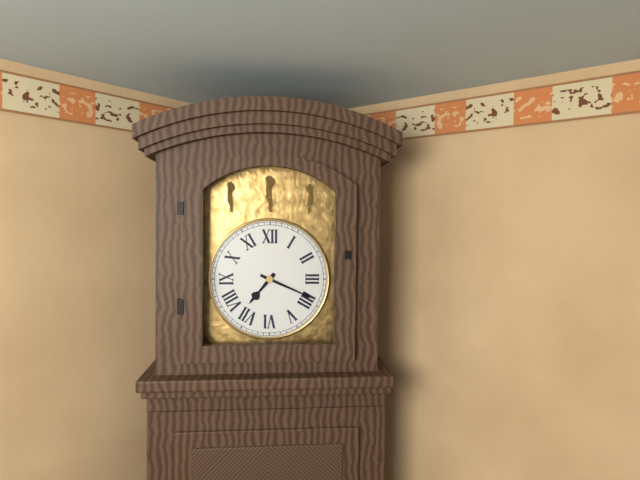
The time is {"hour": 7, "minute": 19}
